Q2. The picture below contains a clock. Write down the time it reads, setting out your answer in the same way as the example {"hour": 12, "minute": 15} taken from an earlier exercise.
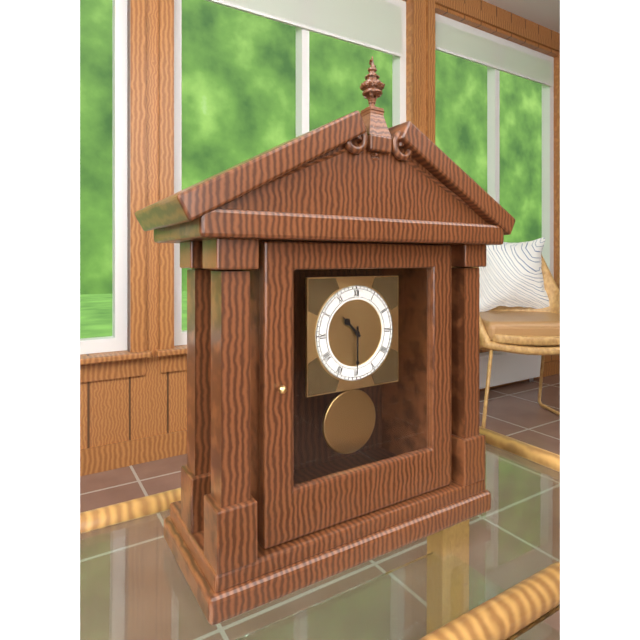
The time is {"hour": 10, "minute": 30}
